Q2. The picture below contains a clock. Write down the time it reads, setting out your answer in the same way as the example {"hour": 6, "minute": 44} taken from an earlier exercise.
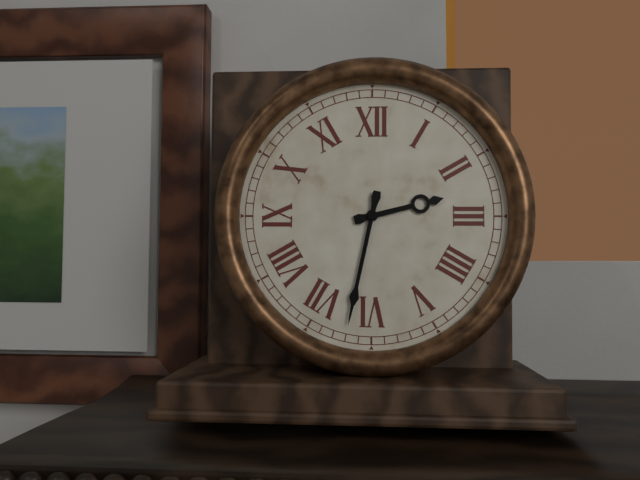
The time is {"hour": 2, "minute": 32}
